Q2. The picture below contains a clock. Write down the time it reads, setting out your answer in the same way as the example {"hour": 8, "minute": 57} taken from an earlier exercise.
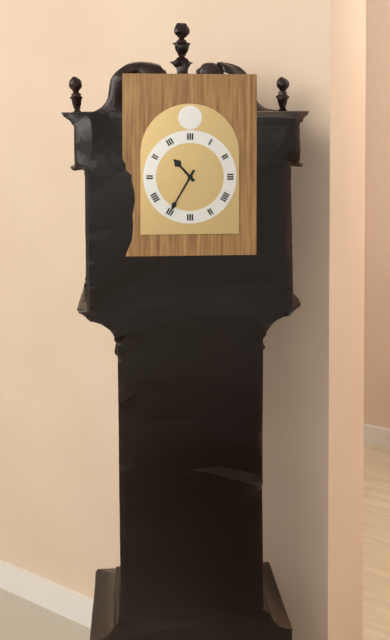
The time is {"hour": 10, "minute": 35}
